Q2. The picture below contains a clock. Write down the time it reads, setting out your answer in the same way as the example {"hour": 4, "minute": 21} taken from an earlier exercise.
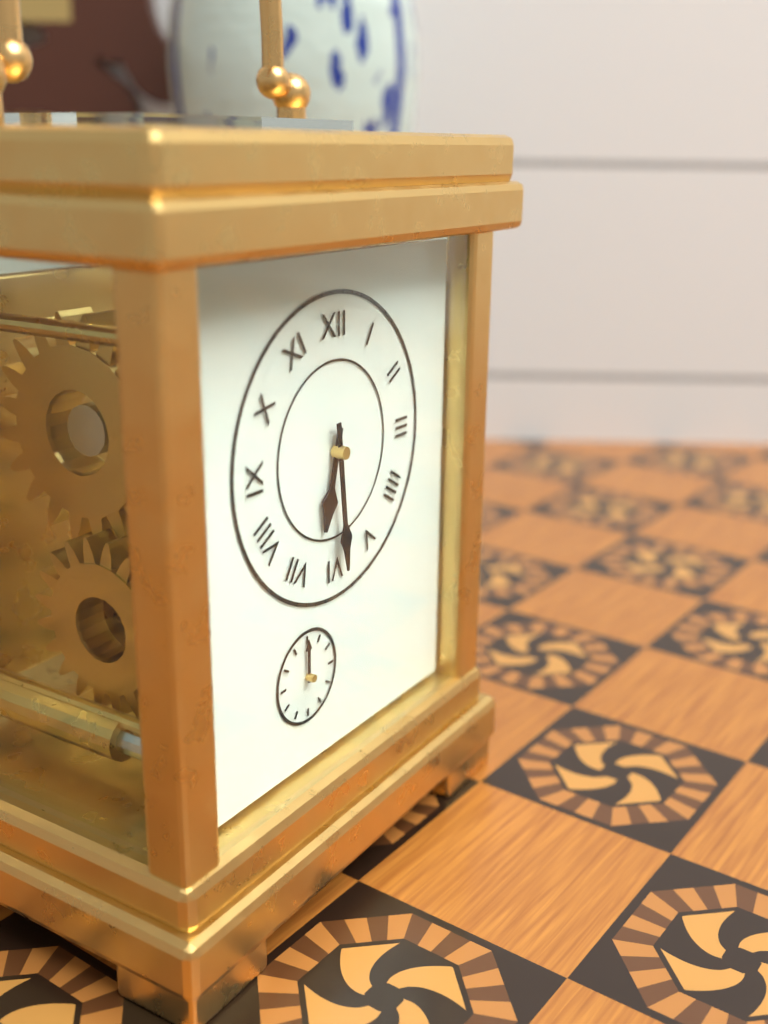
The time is {"hour": 6, "minute": 29}
